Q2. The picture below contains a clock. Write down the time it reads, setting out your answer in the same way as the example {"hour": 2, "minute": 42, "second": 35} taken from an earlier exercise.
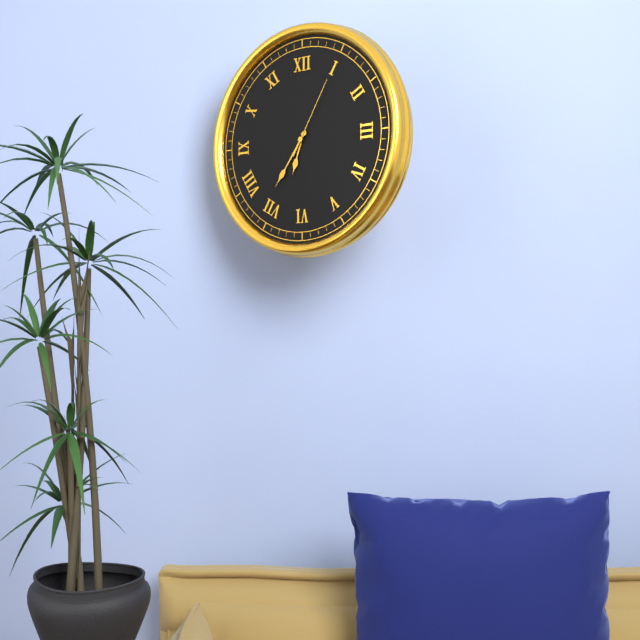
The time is {"hour": 6, "minute": 36, "second": 5}
